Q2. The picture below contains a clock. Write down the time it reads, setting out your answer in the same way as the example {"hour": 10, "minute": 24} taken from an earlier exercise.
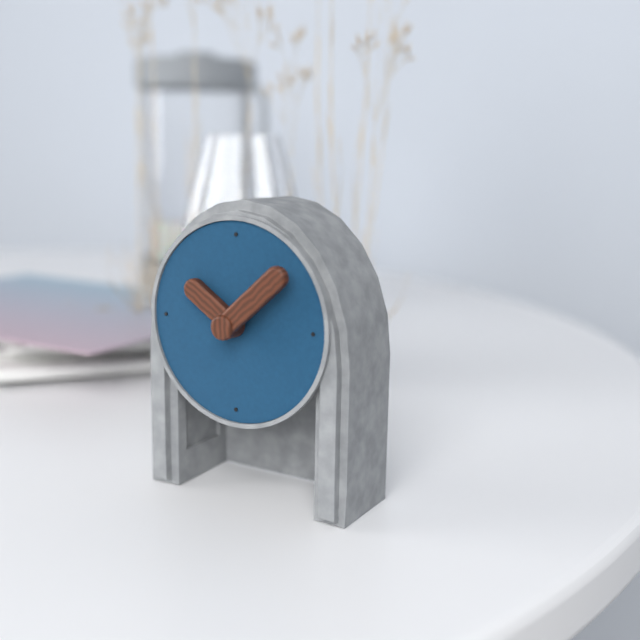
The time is {"hour": 10, "minute": 8}
